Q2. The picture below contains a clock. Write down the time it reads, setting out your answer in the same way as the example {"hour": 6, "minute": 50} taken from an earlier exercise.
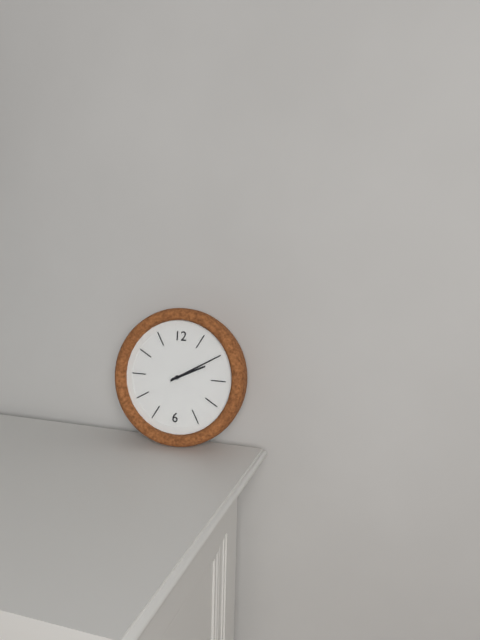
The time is {"hour": 2, "minute": 10}
